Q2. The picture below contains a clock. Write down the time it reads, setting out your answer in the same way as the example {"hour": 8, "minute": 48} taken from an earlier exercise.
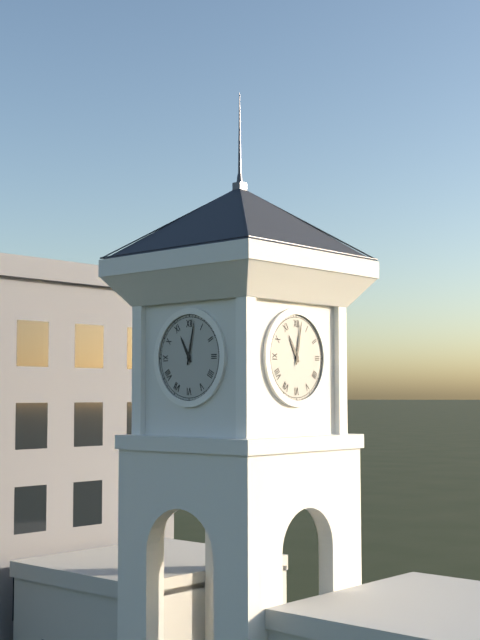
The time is {"hour": 11, "minute": 2}
